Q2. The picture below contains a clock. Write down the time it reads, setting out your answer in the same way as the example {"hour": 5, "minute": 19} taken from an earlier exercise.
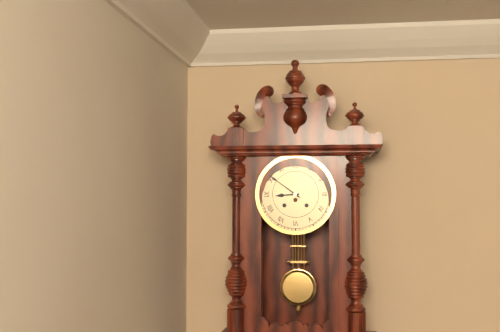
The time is {"hour": 8, "minute": 51}
